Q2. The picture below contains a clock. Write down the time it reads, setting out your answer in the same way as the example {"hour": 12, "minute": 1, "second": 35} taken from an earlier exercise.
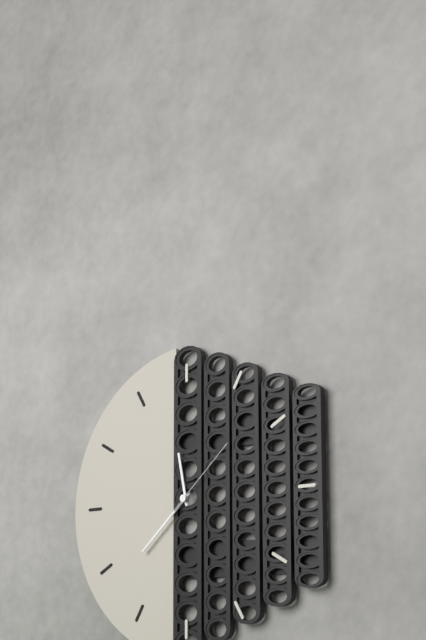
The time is {"hour": 11, "minute": 38, "second": 8}
